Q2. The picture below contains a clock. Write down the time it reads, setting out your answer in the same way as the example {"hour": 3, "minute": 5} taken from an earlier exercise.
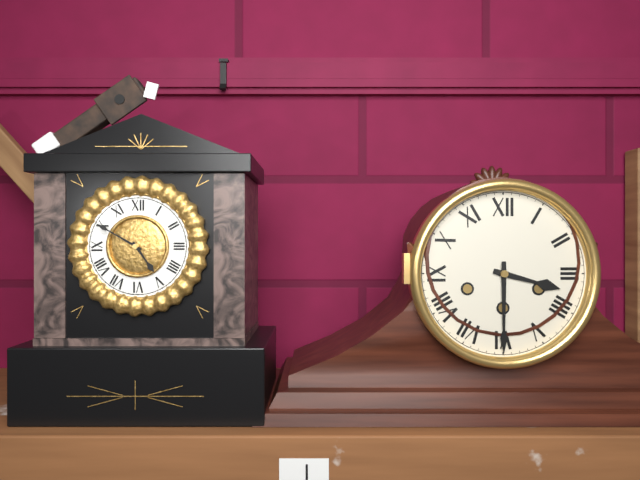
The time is {"hour": 3, "minute": 30}
